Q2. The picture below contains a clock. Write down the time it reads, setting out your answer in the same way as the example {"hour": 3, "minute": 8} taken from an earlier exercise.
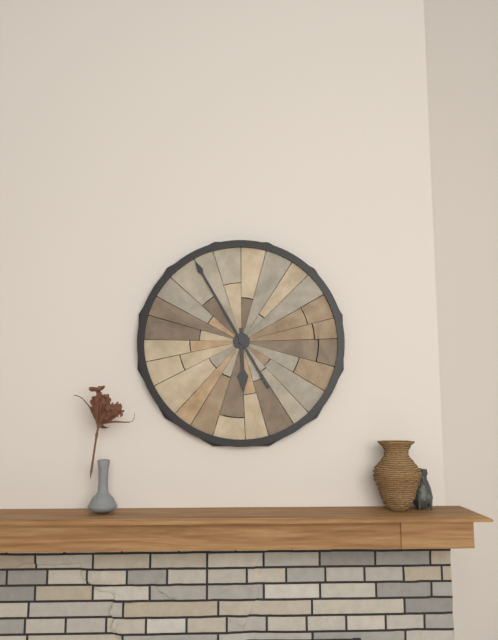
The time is {"hour": 5, "minute": 55}
